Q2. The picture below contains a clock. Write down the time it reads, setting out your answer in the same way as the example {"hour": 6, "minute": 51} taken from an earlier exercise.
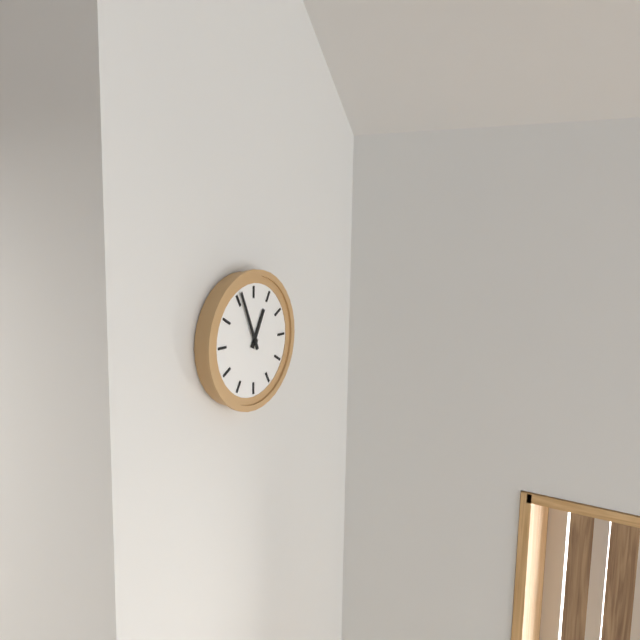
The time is {"hour": 12, "minute": 56}
